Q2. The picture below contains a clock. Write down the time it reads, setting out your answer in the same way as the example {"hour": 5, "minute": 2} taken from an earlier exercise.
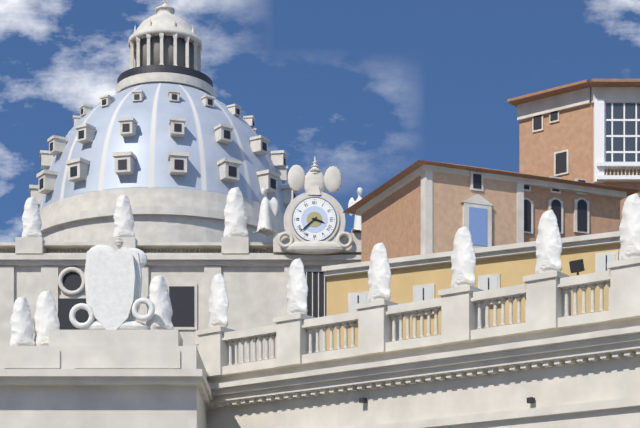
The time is {"hour": 3, "minute": 38}
